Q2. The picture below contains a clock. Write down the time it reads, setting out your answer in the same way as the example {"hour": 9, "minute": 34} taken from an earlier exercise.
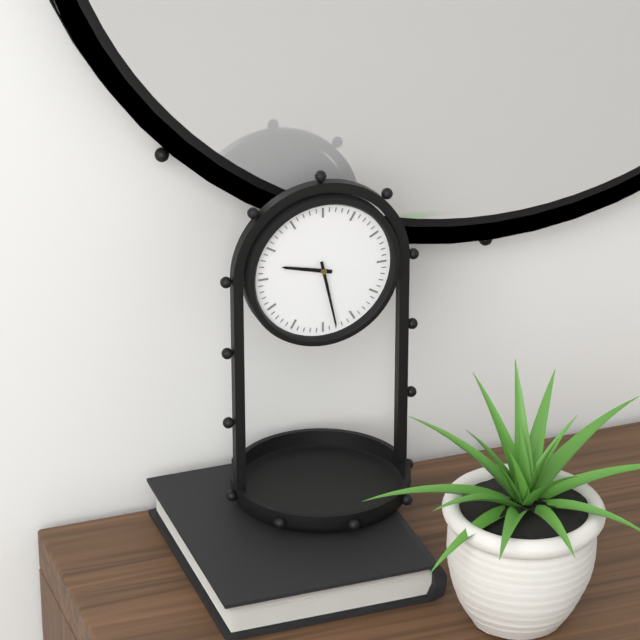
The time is {"hour": 9, "minute": 28}
